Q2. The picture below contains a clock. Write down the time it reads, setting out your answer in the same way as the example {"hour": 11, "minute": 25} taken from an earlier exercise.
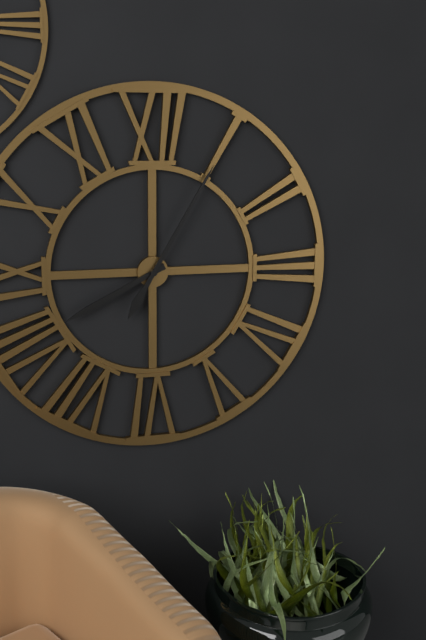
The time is {"hour": 8, "minute": 5}
